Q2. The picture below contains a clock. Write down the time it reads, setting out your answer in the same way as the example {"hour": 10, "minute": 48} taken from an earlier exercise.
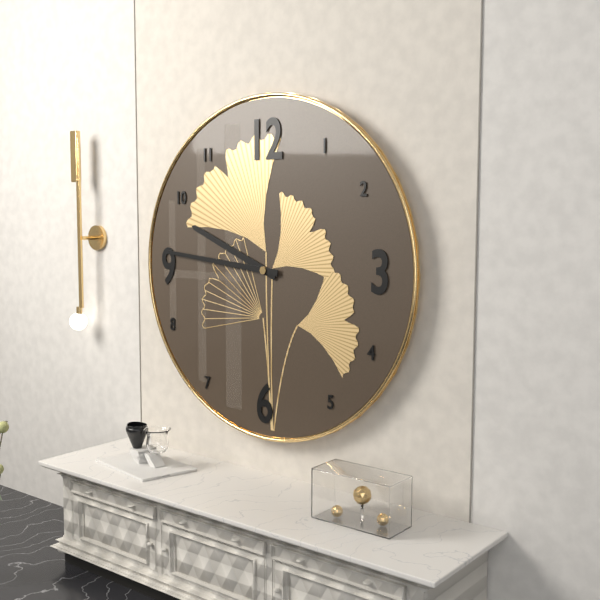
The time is {"hour": 9, "minute": 46}
